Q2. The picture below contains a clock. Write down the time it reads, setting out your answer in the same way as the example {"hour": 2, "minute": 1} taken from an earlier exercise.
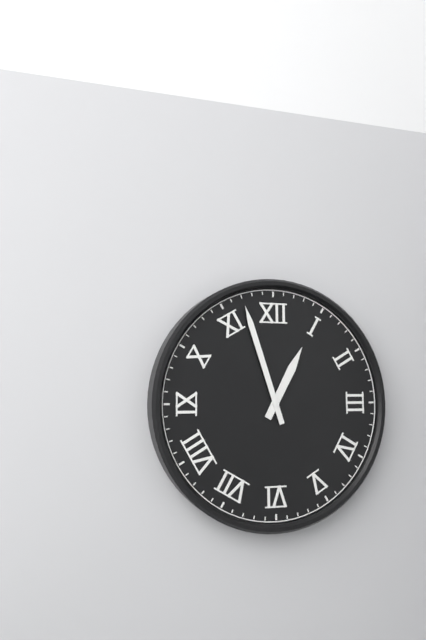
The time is {"hour": 12, "minute": 57}
